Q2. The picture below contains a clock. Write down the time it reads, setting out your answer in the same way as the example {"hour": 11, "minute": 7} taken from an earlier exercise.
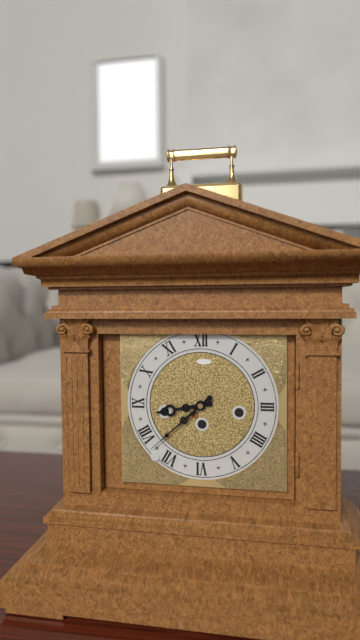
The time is {"hour": 8, "minute": 38}
